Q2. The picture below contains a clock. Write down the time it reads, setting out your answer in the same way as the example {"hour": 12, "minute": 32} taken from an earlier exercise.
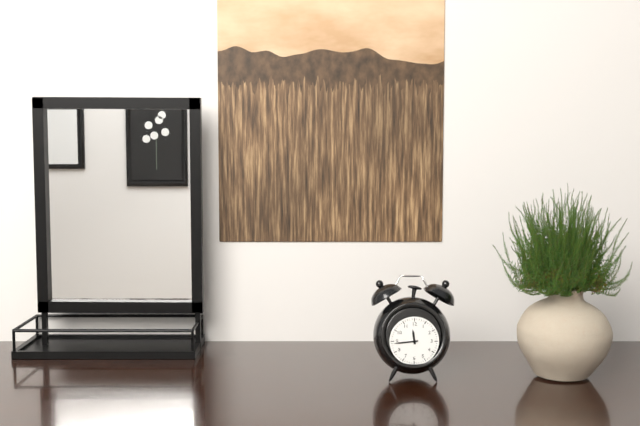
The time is {"hour": 11, "minute": 44}
